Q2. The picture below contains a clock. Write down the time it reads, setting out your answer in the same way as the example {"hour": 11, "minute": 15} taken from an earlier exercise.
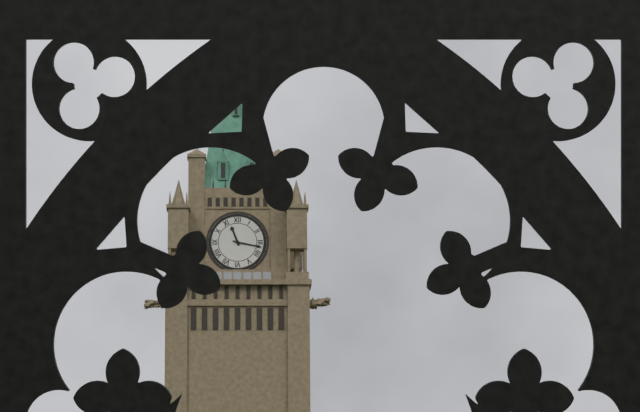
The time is {"hour": 11, "minute": 17}
